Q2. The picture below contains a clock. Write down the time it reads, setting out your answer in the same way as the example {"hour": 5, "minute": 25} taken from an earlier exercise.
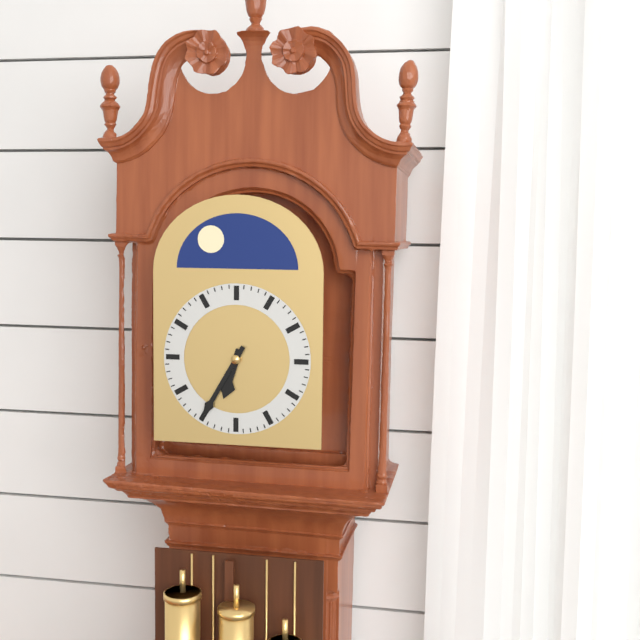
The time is {"hour": 6, "minute": 35}
